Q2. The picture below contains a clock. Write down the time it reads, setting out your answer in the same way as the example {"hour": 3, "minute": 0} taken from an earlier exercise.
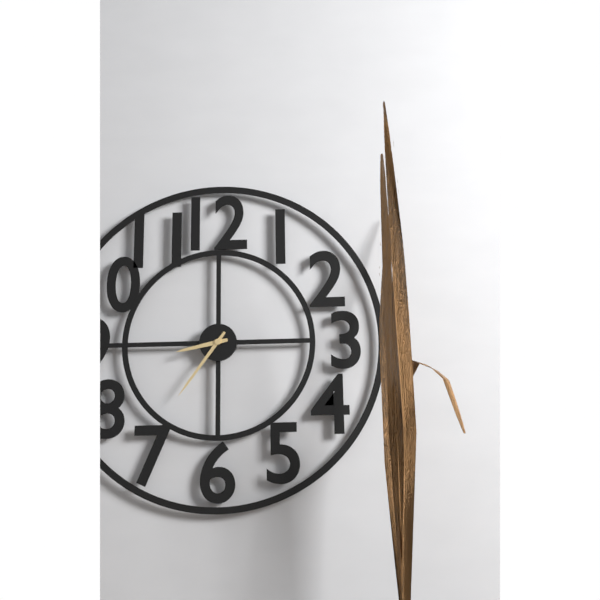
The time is {"hour": 8, "minute": 36}
